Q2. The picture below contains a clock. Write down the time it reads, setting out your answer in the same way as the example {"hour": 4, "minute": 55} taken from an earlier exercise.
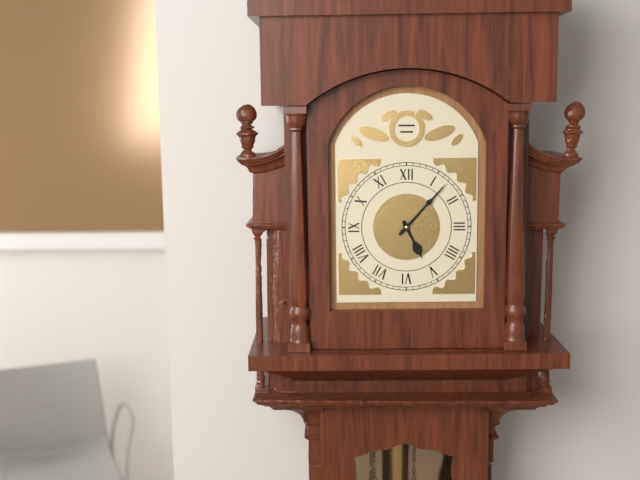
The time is {"hour": 5, "minute": 7}
